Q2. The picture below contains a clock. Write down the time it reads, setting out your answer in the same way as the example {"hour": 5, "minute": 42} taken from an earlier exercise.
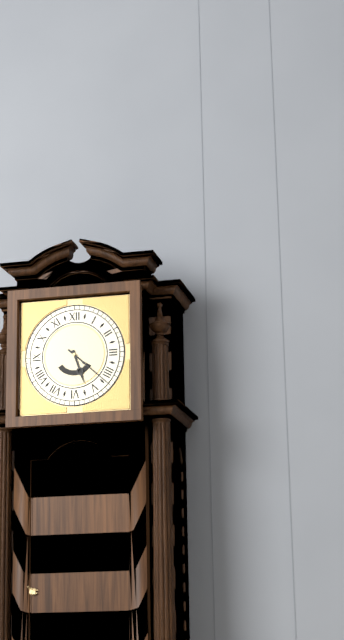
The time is {"hour": 5, "minute": 22}
